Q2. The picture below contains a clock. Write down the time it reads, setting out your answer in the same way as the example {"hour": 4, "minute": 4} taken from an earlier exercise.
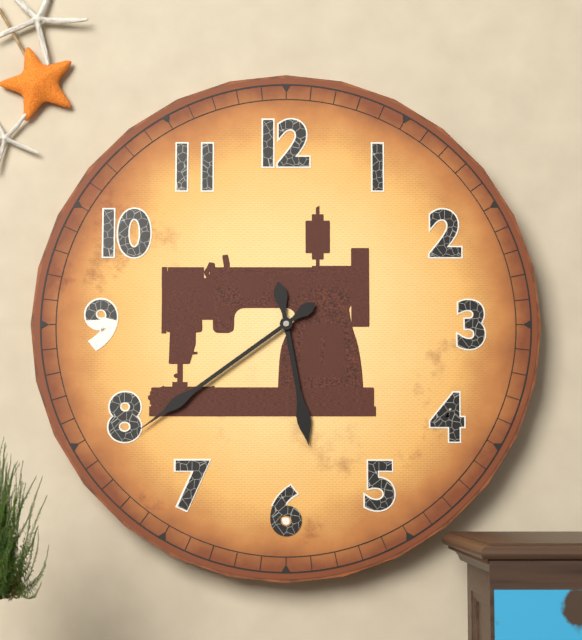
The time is {"hour": 5, "minute": 39}
